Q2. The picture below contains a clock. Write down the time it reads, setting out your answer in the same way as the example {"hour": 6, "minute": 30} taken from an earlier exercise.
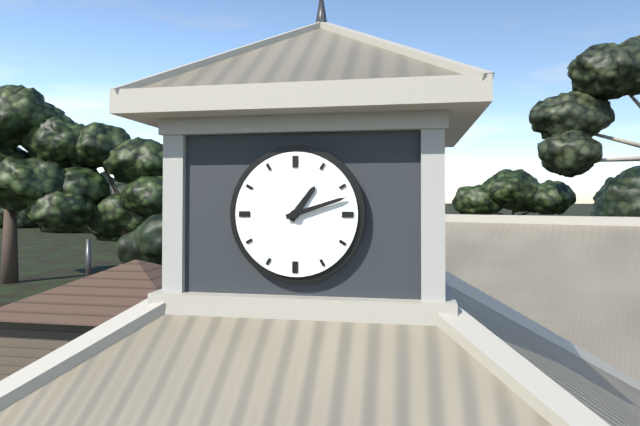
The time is {"hour": 1, "minute": 12}
